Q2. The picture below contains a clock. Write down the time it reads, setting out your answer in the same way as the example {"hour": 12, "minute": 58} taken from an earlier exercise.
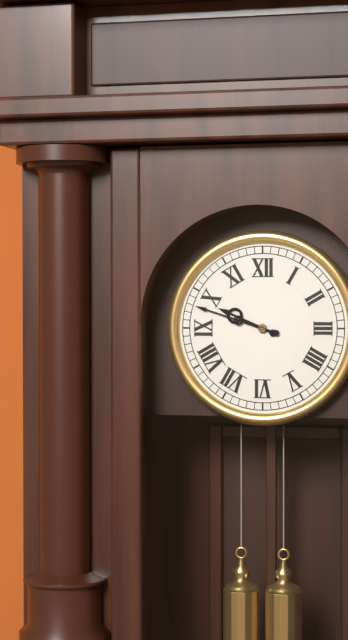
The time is {"hour": 9, "minute": 48}
